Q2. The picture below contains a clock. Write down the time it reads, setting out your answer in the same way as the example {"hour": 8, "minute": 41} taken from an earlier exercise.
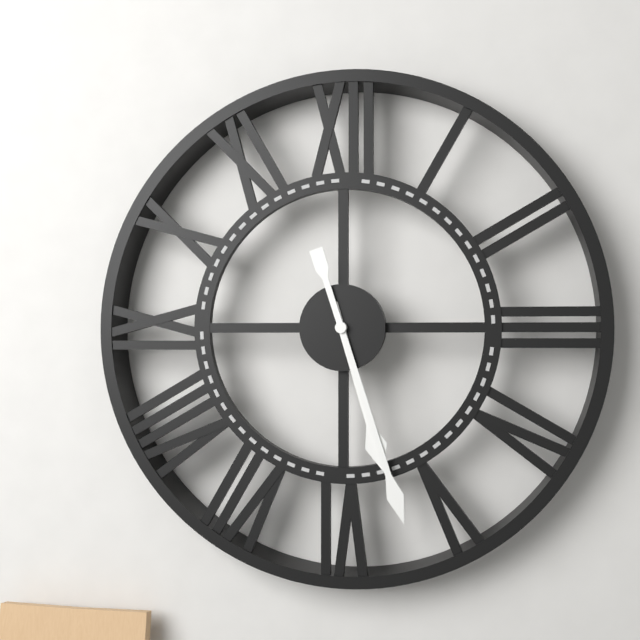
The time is {"hour": 5, "minute": 27}
